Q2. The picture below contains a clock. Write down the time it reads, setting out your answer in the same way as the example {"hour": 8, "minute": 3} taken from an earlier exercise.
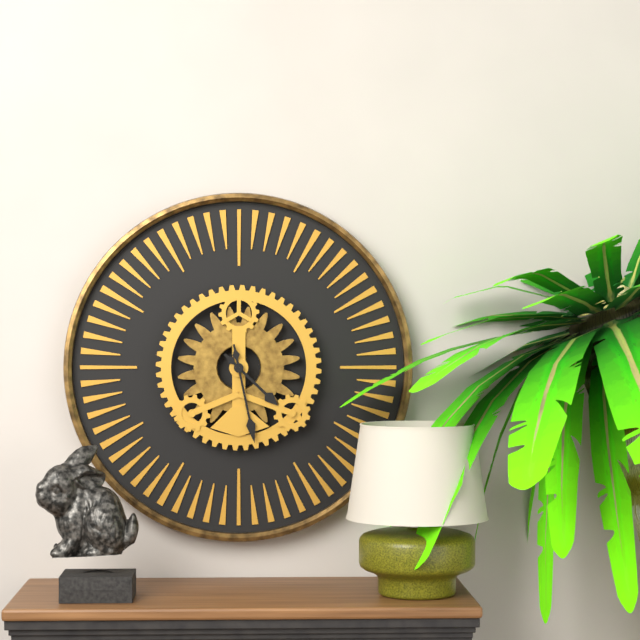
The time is {"hour": 4, "minute": 28}
